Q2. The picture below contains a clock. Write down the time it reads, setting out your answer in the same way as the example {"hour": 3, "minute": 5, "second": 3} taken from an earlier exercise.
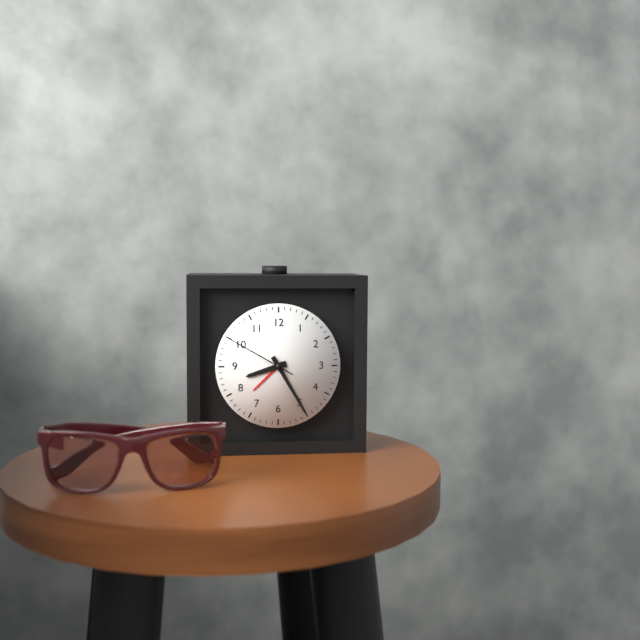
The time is {"hour": 8, "minute": 25, "second": 50}
